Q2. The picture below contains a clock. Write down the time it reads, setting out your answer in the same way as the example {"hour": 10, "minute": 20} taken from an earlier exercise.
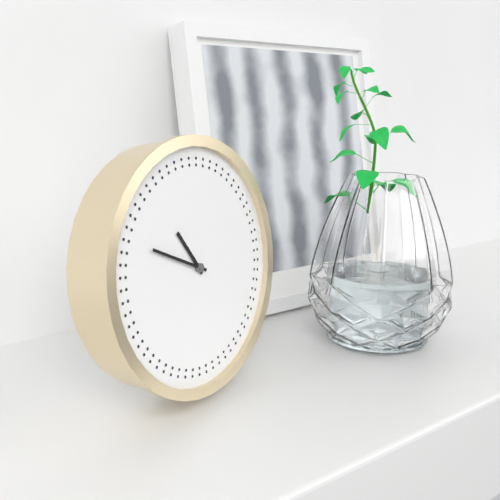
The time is {"hour": 10, "minute": 49}
